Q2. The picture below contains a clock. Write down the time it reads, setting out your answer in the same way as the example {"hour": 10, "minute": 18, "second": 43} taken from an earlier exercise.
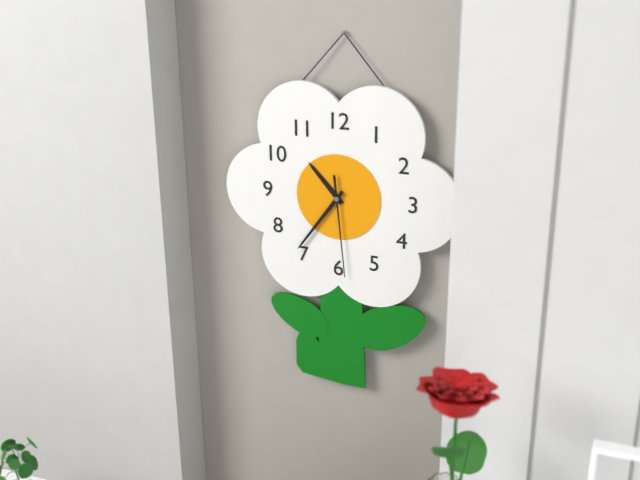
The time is {"hour": 10, "minute": 36, "second": 29}
